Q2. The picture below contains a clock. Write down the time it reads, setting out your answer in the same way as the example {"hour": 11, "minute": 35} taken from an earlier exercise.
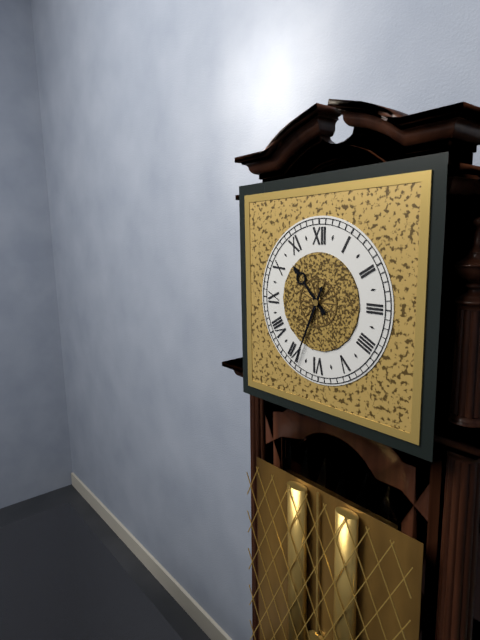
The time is {"hour": 10, "minute": 34}
